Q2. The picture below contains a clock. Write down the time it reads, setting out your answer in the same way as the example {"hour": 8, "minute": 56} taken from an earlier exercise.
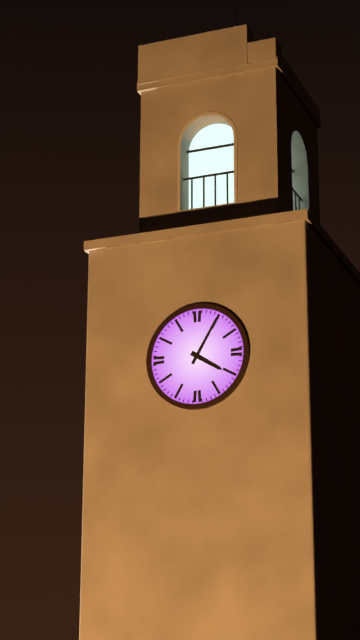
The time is {"hour": 4, "minute": 5}
